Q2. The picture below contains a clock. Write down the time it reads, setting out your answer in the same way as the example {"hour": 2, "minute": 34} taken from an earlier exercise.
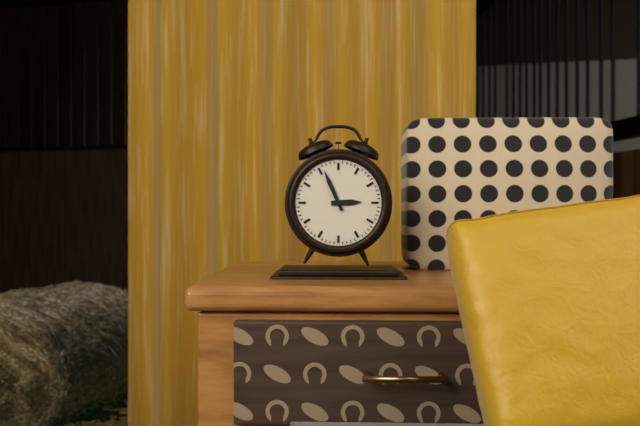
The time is {"hour": 2, "minute": 56}
